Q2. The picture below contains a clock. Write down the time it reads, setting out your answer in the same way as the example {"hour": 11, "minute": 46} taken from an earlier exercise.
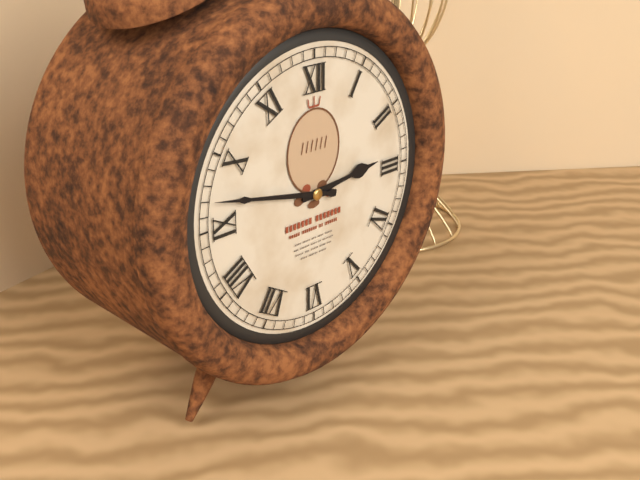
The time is {"hour": 2, "minute": 47}
